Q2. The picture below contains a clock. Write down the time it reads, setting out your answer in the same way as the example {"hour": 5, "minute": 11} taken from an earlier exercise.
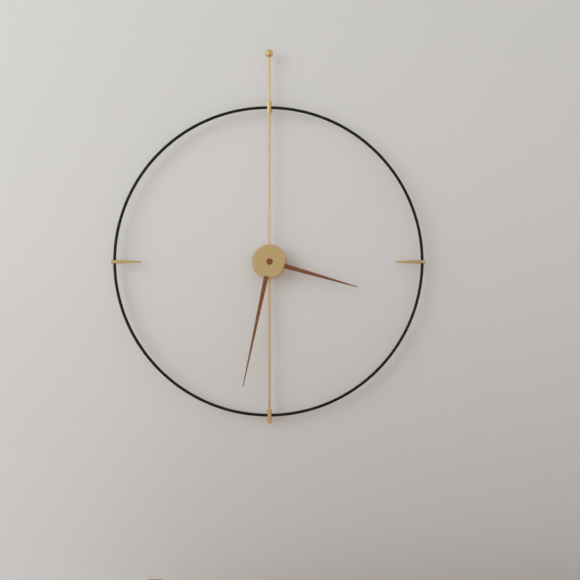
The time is {"hour": 3, "minute": 32}
